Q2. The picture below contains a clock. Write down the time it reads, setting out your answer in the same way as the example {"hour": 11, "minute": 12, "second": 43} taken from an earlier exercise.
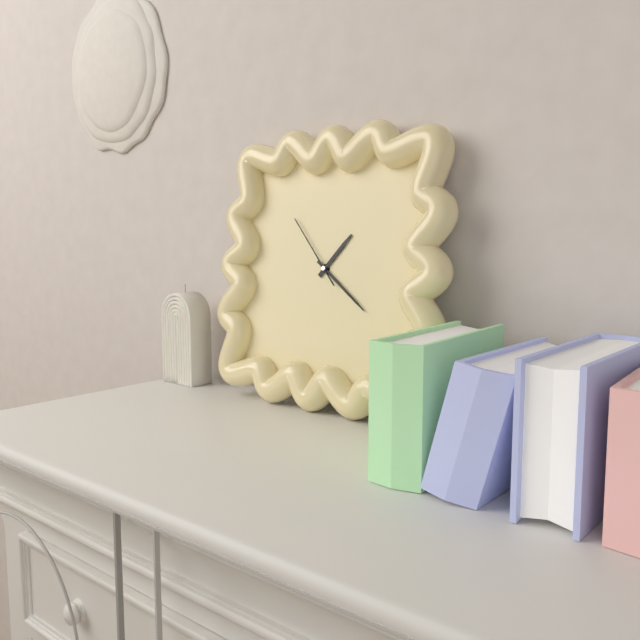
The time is {"hour": 1, "minute": 21, "second": 53}
